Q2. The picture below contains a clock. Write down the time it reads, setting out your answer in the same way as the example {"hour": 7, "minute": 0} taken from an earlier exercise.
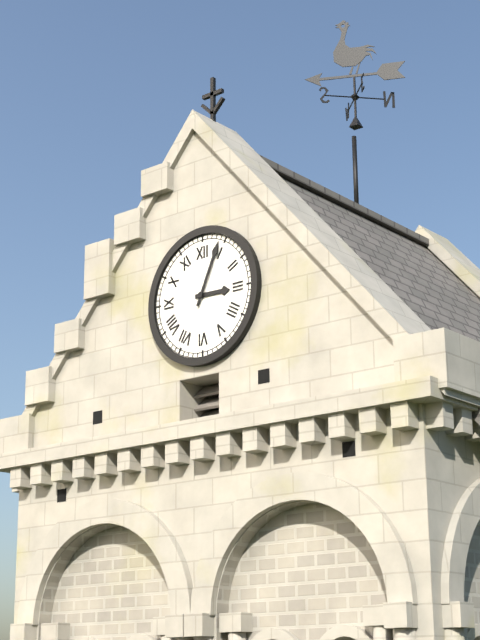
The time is {"hour": 3, "minute": 4}
